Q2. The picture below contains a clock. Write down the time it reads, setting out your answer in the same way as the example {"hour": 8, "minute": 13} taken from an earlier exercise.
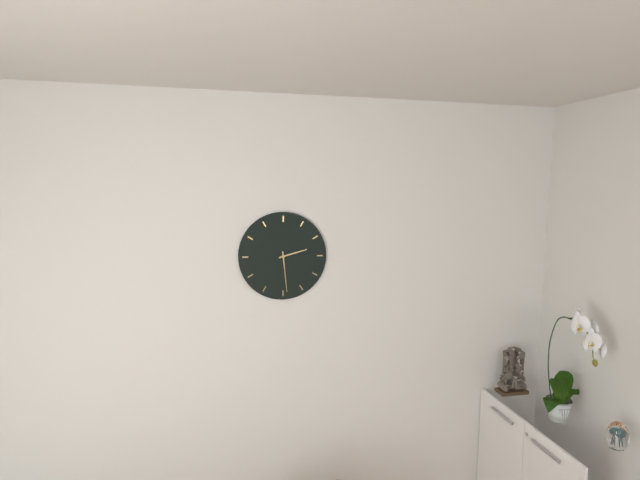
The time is {"hour": 2, "minute": 29}
